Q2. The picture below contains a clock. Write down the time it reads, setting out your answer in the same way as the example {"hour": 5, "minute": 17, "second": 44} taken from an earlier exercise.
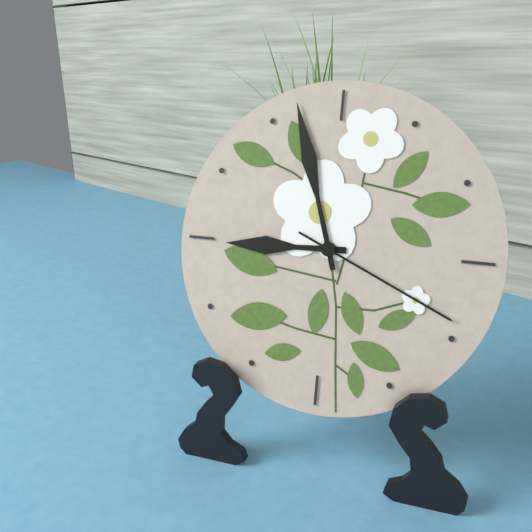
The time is {"hour": 8, "minute": 57, "second": 19}
